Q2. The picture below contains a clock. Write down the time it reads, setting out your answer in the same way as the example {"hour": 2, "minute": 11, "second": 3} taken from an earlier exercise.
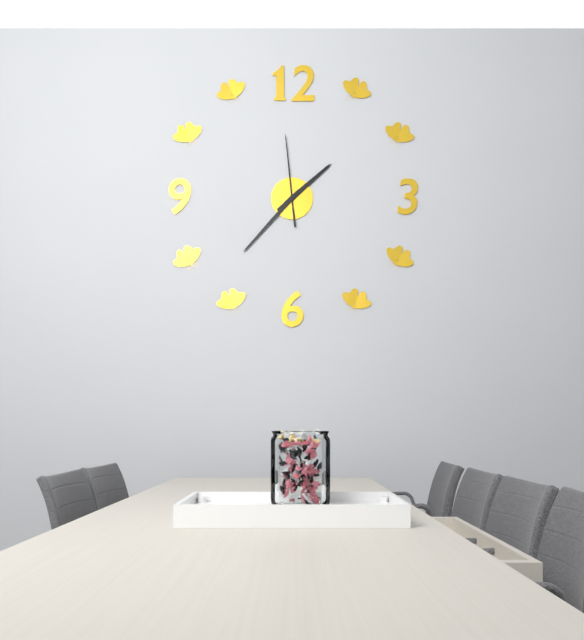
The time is {"hour": 1, "minute": 37, "second": 59}
